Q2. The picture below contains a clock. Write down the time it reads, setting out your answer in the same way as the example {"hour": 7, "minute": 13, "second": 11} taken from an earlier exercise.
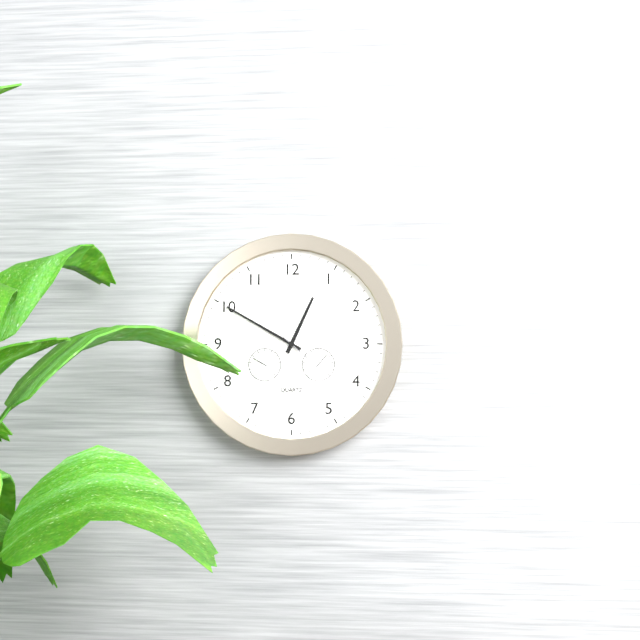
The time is {"hour": 12, "minute": 50, "second": 22}
